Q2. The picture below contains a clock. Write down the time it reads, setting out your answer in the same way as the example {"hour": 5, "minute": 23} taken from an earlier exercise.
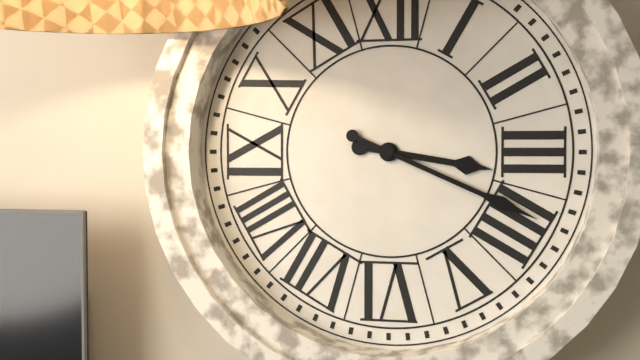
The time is {"hour": 3, "minute": 19}
